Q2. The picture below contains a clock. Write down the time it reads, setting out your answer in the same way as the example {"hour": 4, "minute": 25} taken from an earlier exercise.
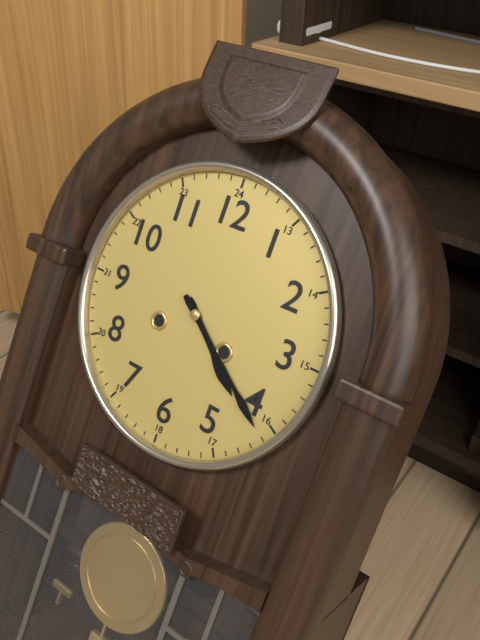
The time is {"hour": 4, "minute": 21}
